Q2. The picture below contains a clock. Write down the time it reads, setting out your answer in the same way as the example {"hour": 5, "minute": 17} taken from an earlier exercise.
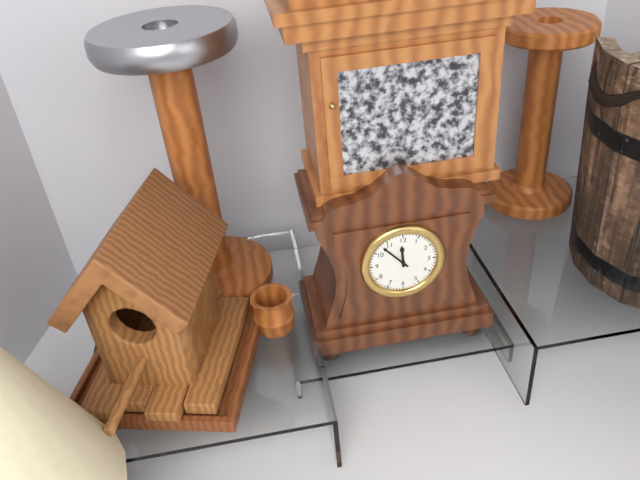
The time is {"hour": 11, "minute": 53}
